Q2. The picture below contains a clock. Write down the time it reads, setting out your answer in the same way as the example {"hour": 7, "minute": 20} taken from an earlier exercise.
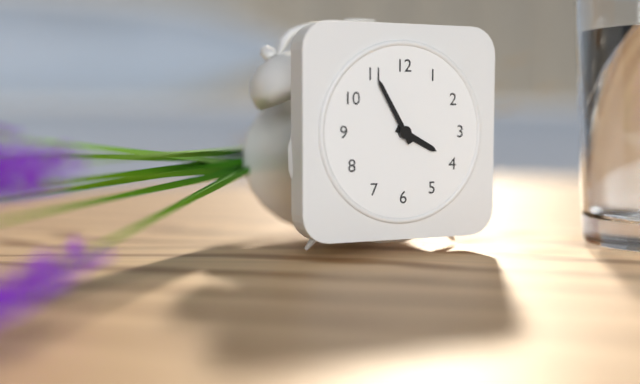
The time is {"hour": 3, "minute": 55}
